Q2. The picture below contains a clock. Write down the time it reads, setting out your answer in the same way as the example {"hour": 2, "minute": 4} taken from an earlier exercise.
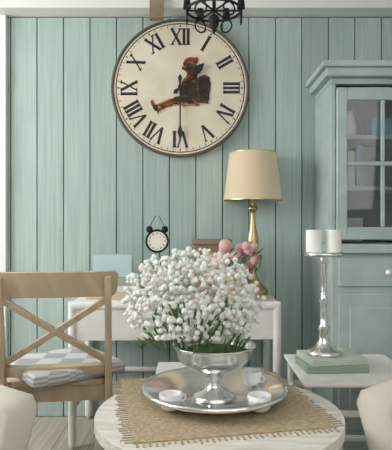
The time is {"hour": 1, "minute": 30}
